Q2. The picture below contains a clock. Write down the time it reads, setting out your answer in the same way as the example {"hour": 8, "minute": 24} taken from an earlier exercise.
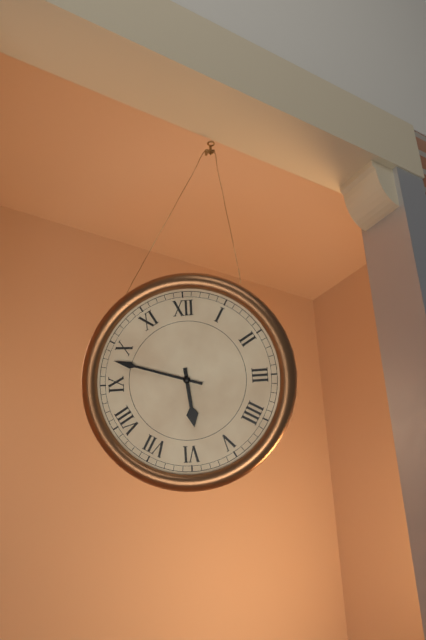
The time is {"hour": 5, "minute": 48}
